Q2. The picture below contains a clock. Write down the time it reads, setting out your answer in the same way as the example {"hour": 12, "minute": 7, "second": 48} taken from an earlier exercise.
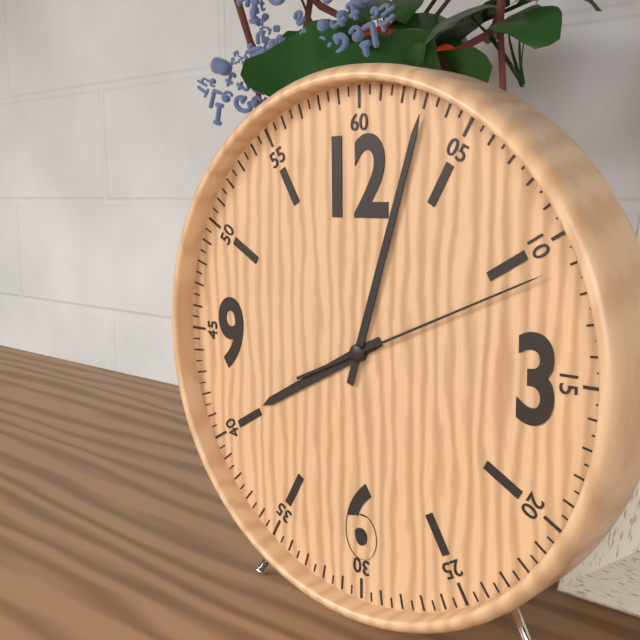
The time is {"hour": 8, "minute": 3, "second": 11}
